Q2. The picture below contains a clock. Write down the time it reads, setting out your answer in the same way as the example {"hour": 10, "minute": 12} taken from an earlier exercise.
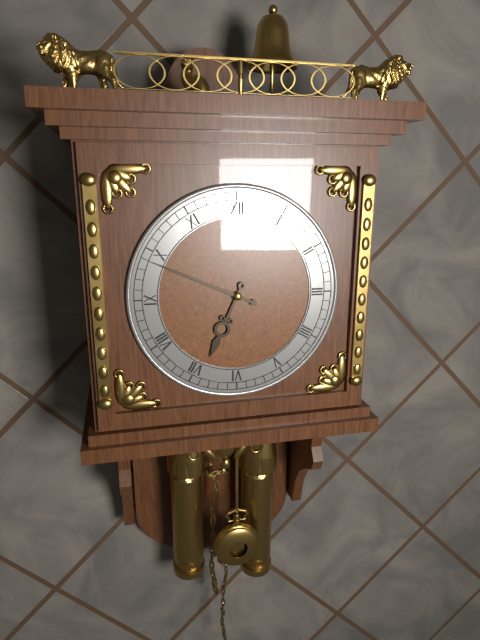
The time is {"hour": 6, "minute": 49}
